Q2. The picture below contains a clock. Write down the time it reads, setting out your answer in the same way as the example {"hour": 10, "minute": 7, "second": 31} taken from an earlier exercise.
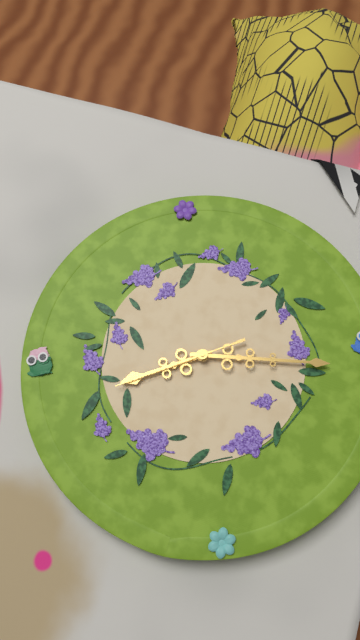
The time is {"hour": 8, "minute": 15, "second": 41}
